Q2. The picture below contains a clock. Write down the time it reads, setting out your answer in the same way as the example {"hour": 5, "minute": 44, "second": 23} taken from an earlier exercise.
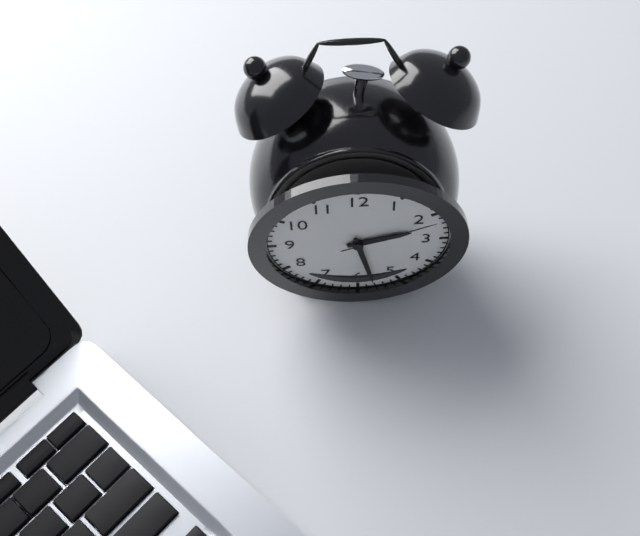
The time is {"hour": 2, "minute": 28, "second": 11}
